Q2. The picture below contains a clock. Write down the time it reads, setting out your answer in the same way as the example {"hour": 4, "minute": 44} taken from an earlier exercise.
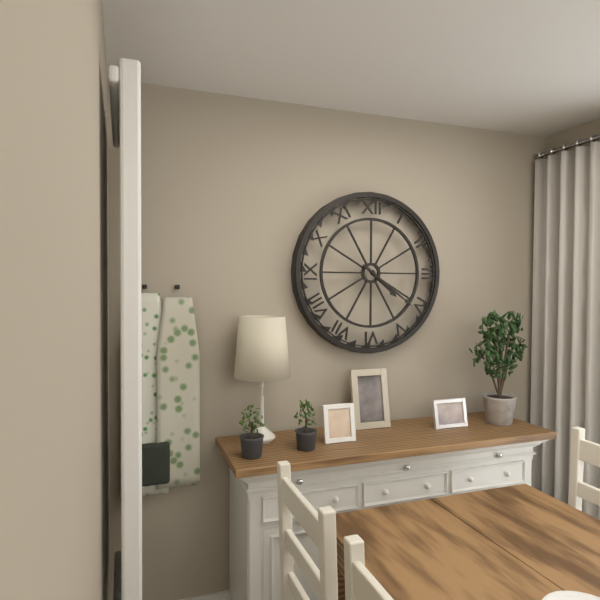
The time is {"hour": 4, "minute": 21}
